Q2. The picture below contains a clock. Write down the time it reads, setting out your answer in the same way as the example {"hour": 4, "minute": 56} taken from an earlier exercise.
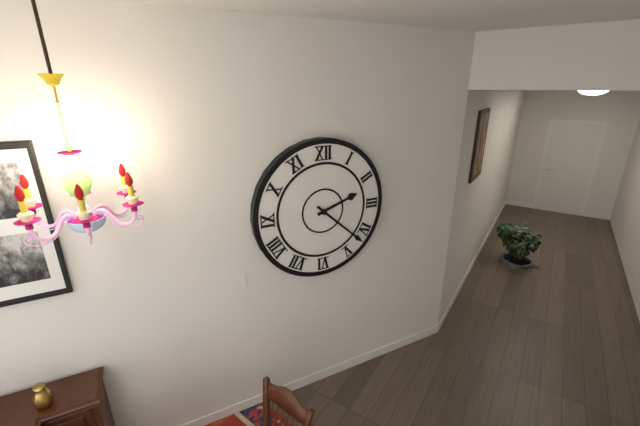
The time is {"hour": 2, "minute": 22}
